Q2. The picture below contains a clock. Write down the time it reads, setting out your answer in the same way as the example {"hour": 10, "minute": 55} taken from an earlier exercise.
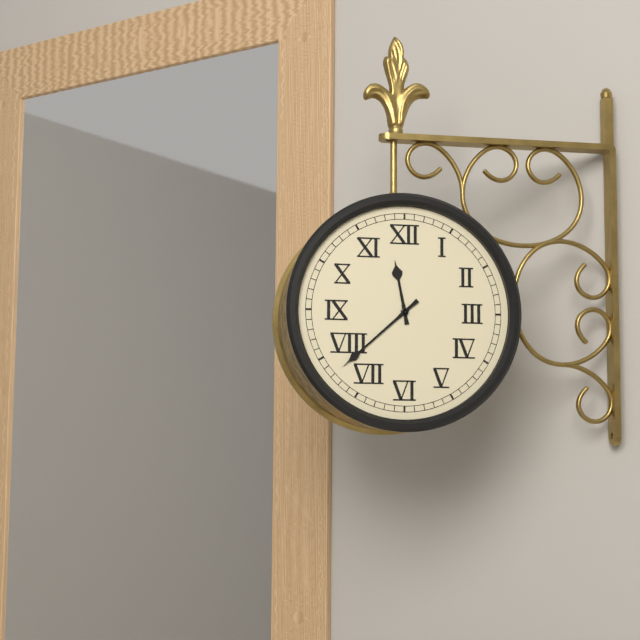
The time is {"hour": 11, "minute": 38}
